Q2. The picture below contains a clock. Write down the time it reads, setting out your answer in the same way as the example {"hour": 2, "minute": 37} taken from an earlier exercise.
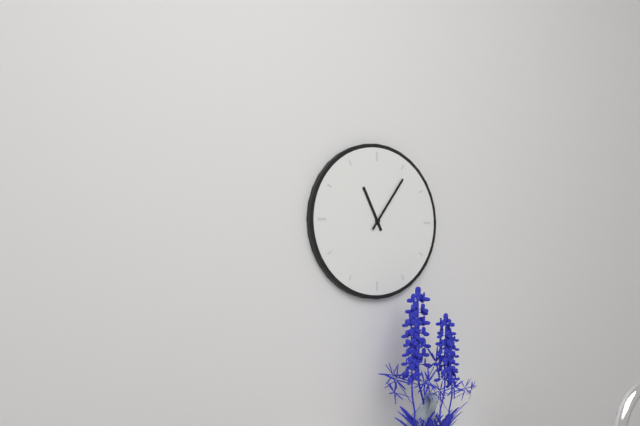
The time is {"hour": 11, "minute": 6}
